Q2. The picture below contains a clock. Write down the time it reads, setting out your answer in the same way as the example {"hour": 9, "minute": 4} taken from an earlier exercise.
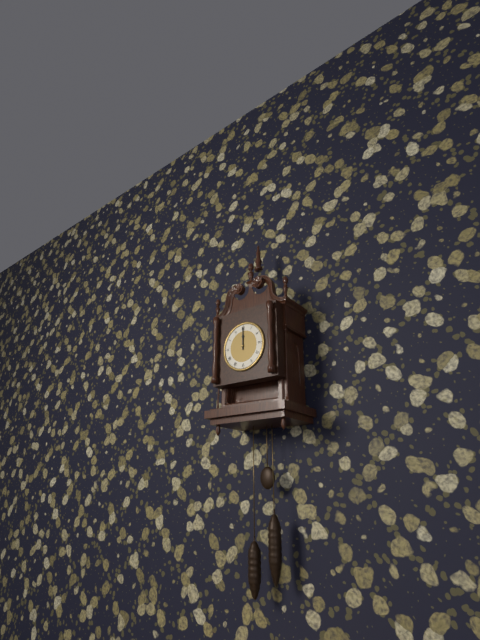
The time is {"hour": 12, "minute": 0}
